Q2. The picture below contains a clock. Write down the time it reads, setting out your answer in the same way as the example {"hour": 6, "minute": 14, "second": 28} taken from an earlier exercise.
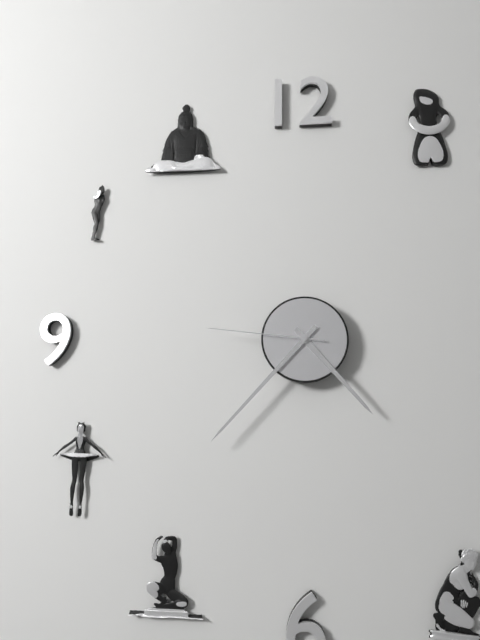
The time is {"hour": 4, "minute": 37, "second": 46}
